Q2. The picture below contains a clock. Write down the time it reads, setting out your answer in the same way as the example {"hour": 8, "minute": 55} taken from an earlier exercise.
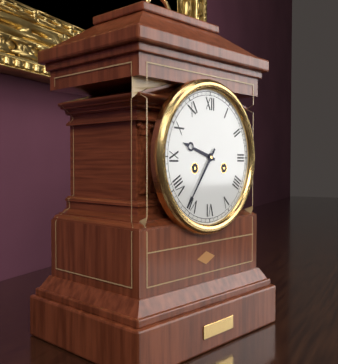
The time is {"hour": 9, "minute": 36}
